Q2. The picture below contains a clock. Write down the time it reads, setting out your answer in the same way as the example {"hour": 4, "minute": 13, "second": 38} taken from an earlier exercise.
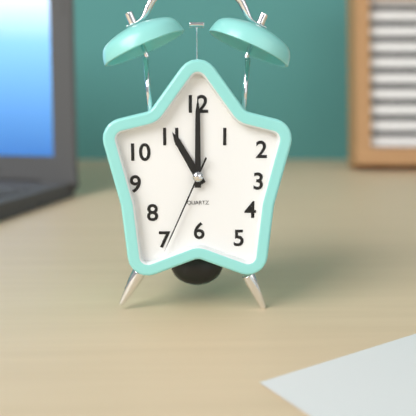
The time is {"hour": 11, "minute": 0, "second": 34}
